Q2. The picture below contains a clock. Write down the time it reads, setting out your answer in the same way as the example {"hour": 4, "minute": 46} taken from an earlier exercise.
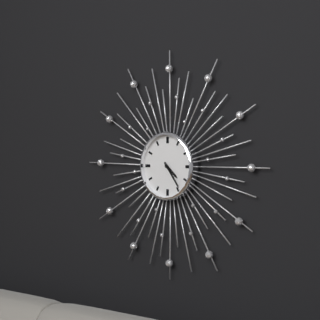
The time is {"hour": 4, "minute": 24}
